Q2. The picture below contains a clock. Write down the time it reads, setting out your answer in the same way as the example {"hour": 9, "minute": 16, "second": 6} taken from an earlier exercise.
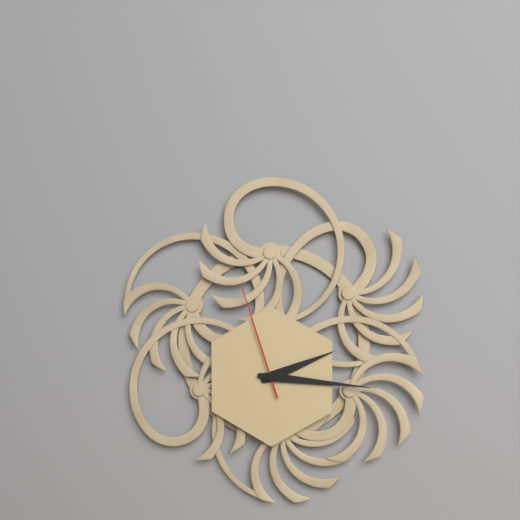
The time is {"hour": 2, "minute": 16, "second": 57}
